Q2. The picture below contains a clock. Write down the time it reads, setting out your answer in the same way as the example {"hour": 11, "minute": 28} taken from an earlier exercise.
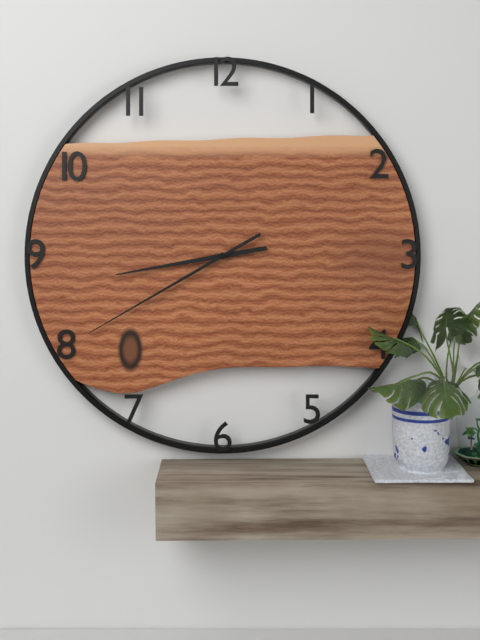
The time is {"hour": 8, "minute": 40}
